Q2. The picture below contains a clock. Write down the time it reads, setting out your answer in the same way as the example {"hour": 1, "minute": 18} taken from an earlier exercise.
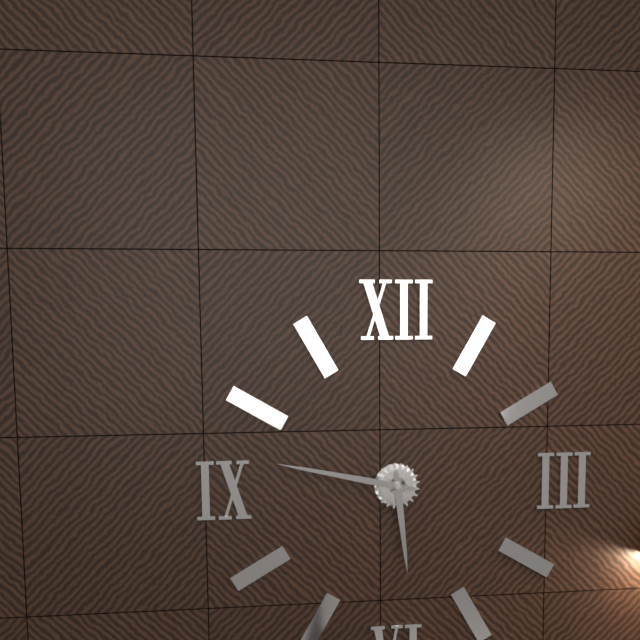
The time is {"hour": 5, "minute": 47}
